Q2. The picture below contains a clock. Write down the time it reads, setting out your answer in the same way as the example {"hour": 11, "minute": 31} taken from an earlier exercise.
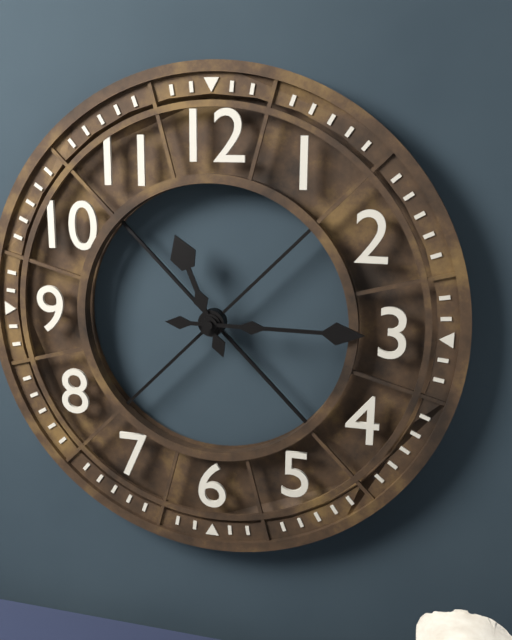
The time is {"hour": 11, "minute": 15}
